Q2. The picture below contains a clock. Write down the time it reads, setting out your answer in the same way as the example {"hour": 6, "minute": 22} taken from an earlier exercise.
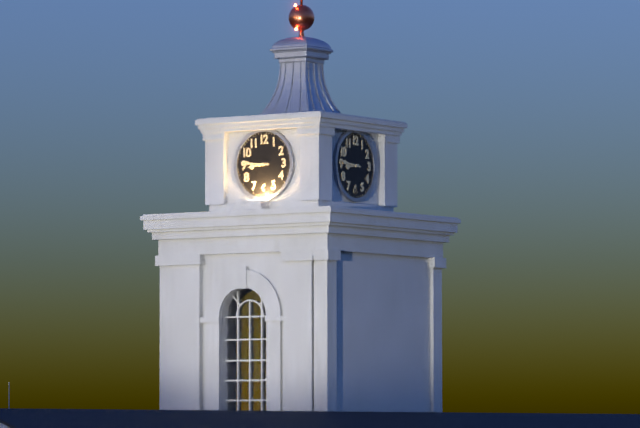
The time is {"hour": 8, "minute": 46}
